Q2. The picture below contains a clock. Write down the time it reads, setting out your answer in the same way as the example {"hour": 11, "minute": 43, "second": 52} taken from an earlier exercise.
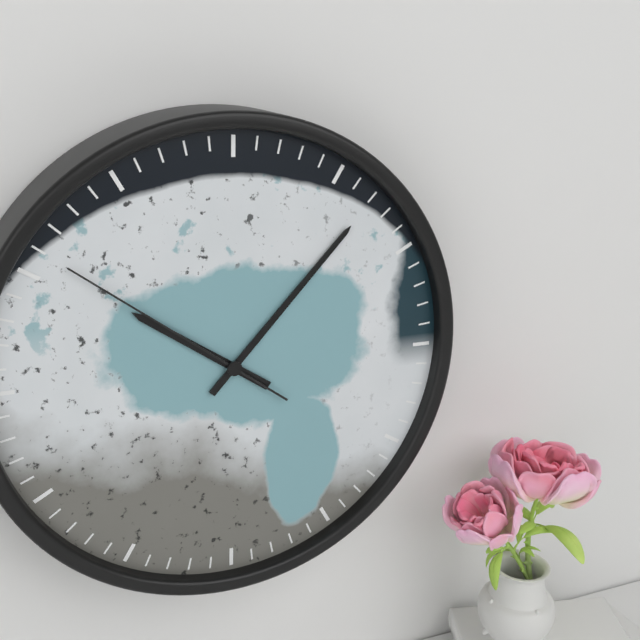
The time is {"hour": 10, "minute": 7, "second": 51}
